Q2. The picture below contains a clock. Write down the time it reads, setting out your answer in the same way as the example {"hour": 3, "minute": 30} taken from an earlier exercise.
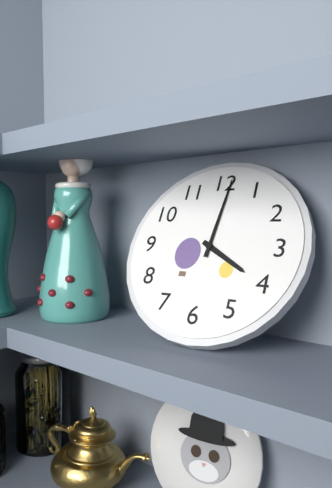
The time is {"hour": 4, "minute": 1}
